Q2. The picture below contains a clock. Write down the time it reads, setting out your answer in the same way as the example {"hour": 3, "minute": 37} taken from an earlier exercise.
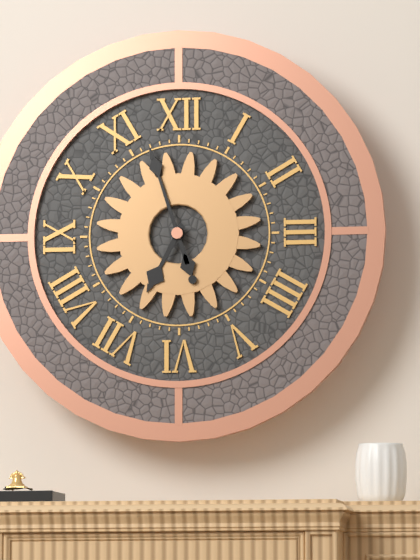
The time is {"hour": 6, "minute": 57}
